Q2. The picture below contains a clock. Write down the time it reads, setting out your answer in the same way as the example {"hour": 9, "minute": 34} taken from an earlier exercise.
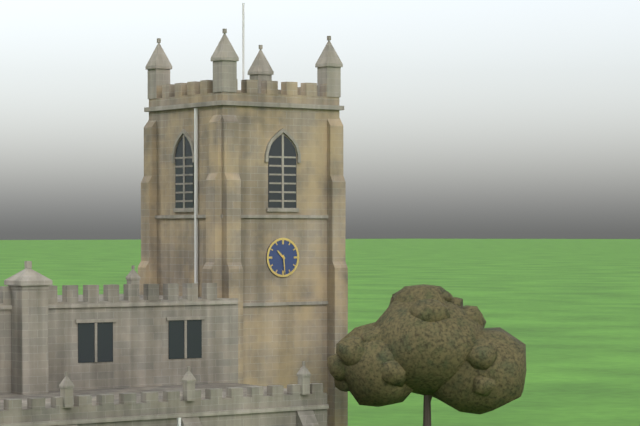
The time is {"hour": 10, "minute": 29}
